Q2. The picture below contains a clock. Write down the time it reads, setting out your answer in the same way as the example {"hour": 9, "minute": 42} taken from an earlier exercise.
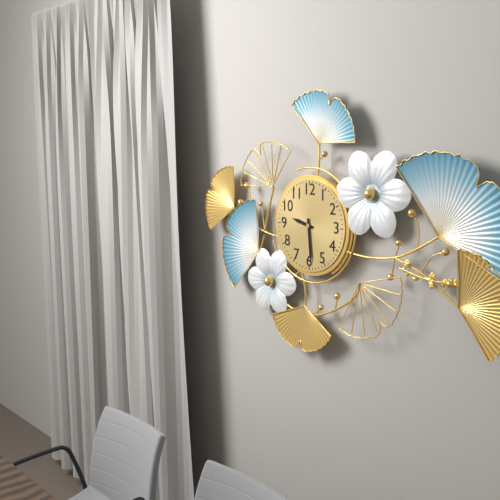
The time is {"hour": 9, "minute": 29}
